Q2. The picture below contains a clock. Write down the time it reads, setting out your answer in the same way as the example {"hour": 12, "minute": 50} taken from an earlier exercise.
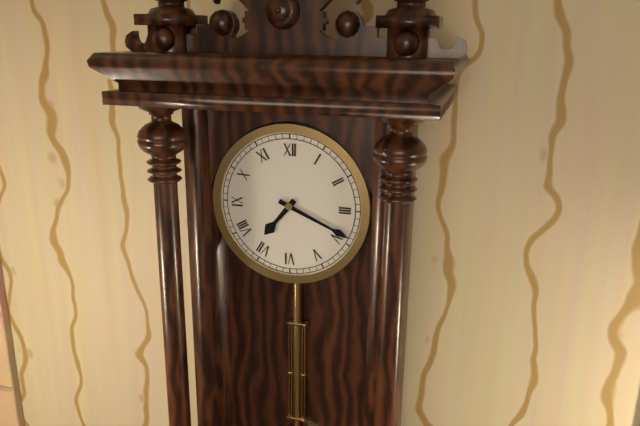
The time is {"hour": 7, "minute": 19}
